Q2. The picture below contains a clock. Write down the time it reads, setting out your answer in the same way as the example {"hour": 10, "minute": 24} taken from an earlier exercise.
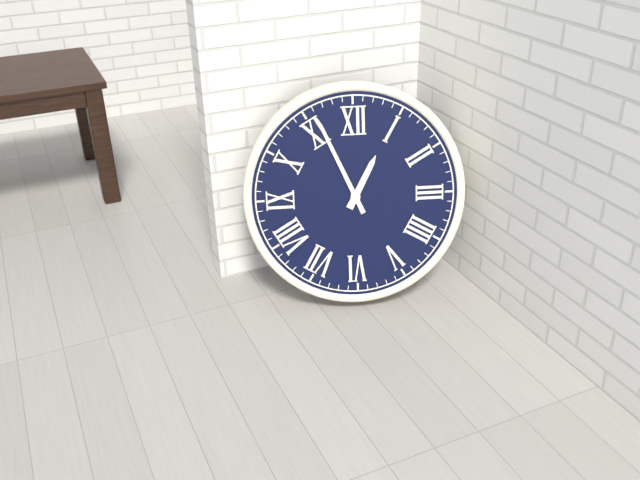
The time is {"hour": 12, "minute": 56}
